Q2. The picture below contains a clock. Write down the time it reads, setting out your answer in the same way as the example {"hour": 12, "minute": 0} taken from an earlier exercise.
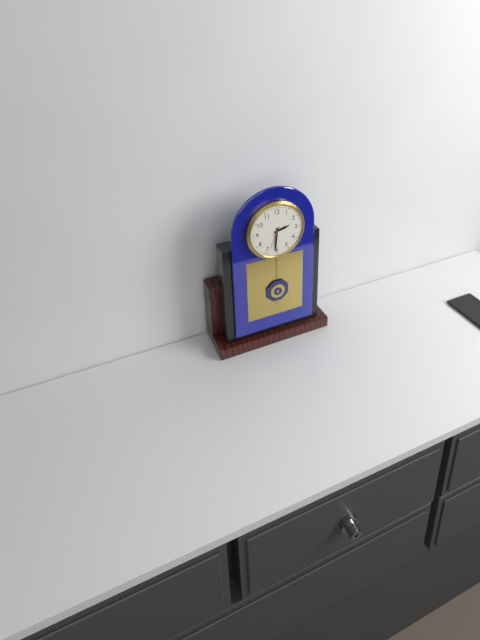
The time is {"hour": 2, "minute": 31}
